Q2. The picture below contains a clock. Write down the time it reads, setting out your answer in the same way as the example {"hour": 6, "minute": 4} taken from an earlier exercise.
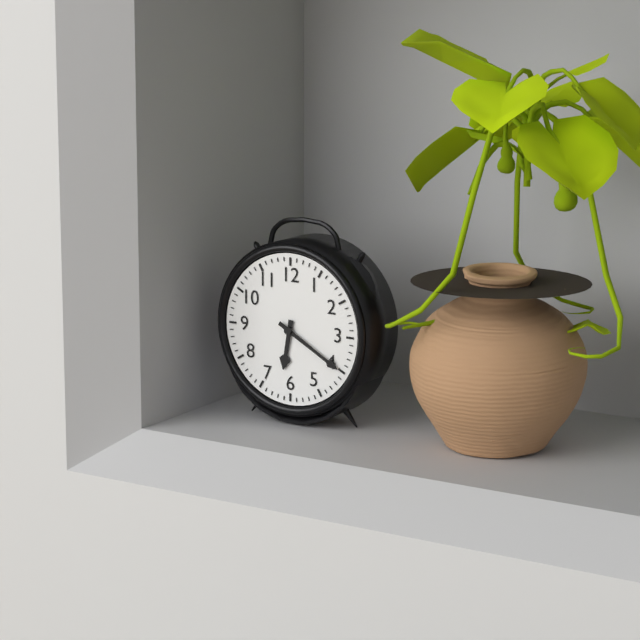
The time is {"hour": 6, "minute": 20}
